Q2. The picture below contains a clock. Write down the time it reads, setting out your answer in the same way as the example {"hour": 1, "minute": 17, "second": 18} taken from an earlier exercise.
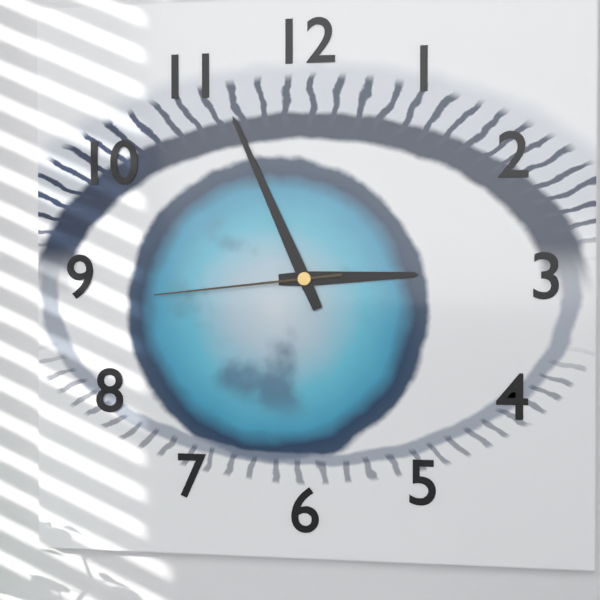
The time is {"hour": 2, "minute": 56, "second": 44}
